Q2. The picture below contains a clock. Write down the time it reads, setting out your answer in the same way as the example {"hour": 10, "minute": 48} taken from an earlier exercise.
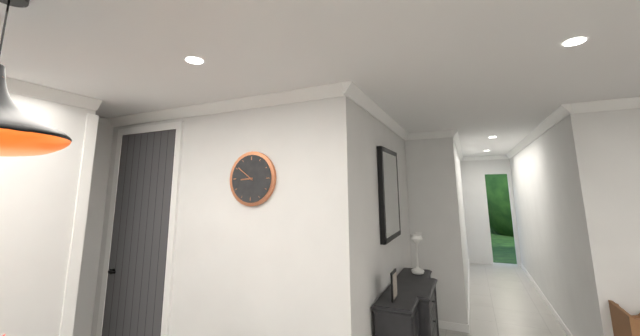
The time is {"hour": 8, "minute": 51}
